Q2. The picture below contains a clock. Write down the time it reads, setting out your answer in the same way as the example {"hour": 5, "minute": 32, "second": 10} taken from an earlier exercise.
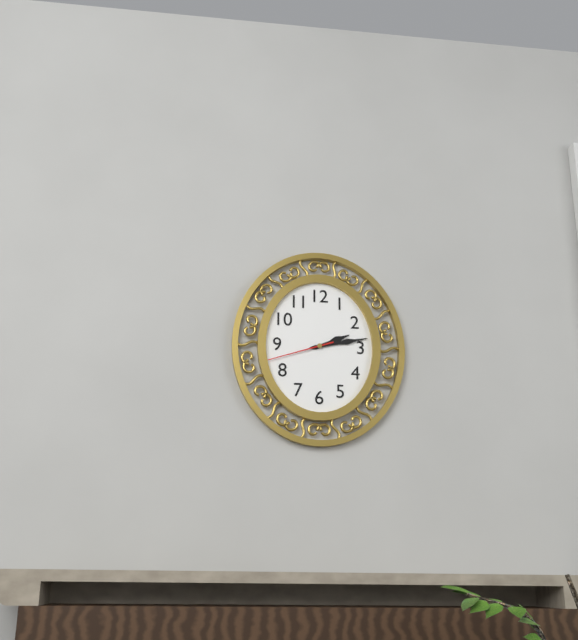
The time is {"hour": 2, "minute": 13, "second": 42}
